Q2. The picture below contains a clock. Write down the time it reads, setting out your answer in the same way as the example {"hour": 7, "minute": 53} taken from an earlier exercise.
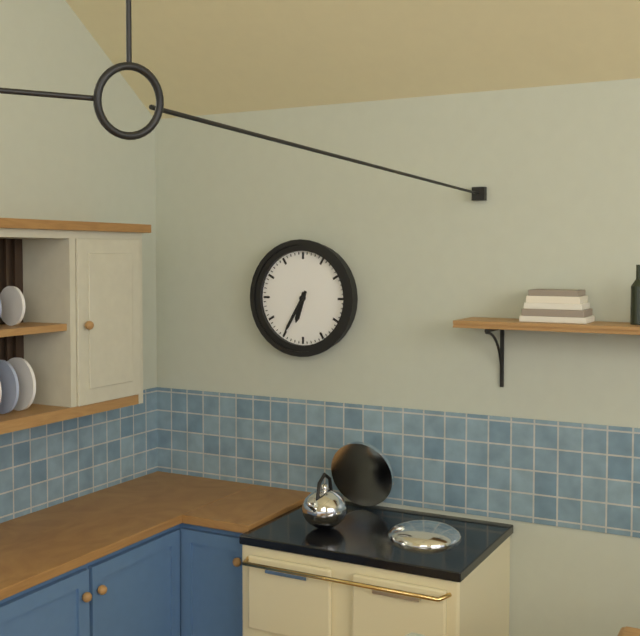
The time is {"hour": 6, "minute": 35}
